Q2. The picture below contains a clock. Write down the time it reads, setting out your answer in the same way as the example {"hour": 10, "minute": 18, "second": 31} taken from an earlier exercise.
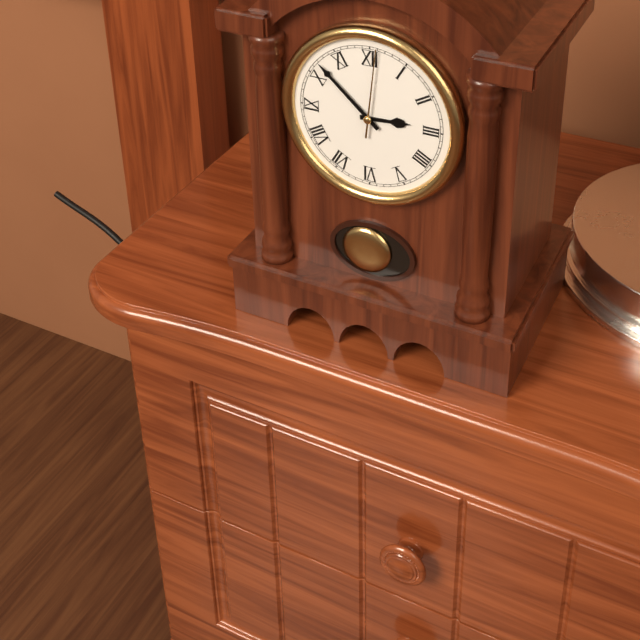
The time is {"hour": 2, "minute": 52, "second": 1}
